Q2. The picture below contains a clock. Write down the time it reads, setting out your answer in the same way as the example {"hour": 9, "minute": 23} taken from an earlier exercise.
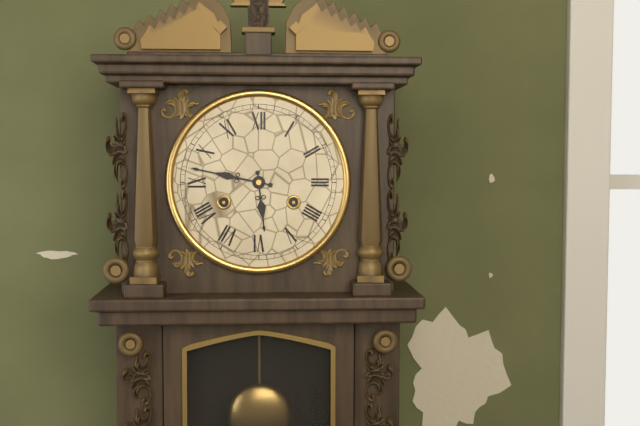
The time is {"hour": 5, "minute": 47}
